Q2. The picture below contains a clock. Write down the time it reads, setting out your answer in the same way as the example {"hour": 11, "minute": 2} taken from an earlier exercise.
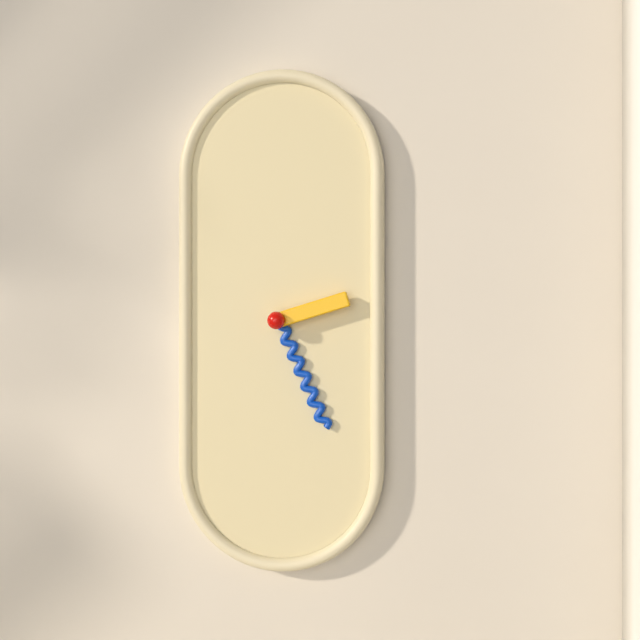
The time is {"hour": 2, "minute": 26}
